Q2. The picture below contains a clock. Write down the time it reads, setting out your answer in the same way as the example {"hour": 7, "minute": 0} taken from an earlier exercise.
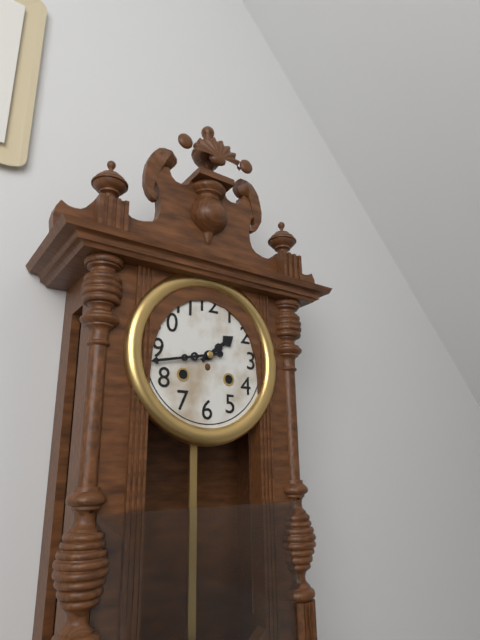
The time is {"hour": 1, "minute": 43}
